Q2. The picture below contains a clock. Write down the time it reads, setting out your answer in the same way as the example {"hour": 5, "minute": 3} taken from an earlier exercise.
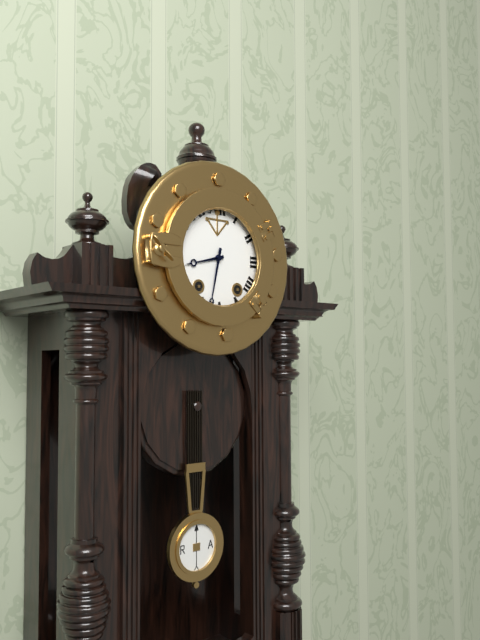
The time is {"hour": 8, "minute": 32}
